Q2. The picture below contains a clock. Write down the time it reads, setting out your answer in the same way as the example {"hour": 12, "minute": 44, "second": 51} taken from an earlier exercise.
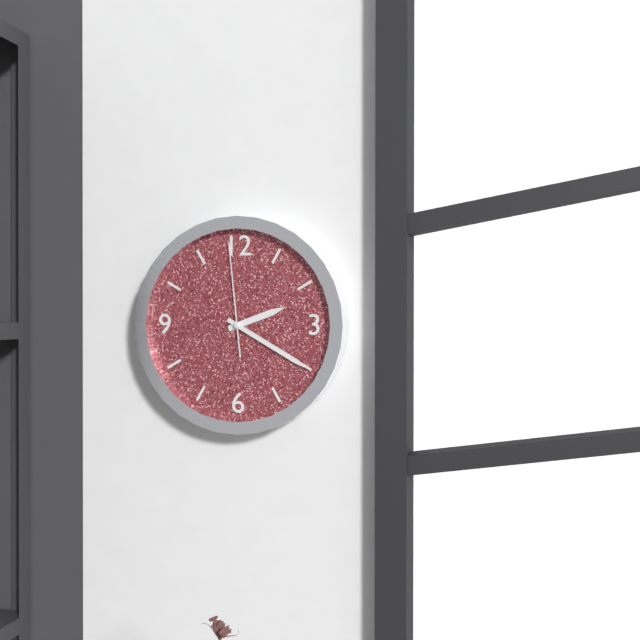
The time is {"hour": 2, "minute": 20, "second": 59}
